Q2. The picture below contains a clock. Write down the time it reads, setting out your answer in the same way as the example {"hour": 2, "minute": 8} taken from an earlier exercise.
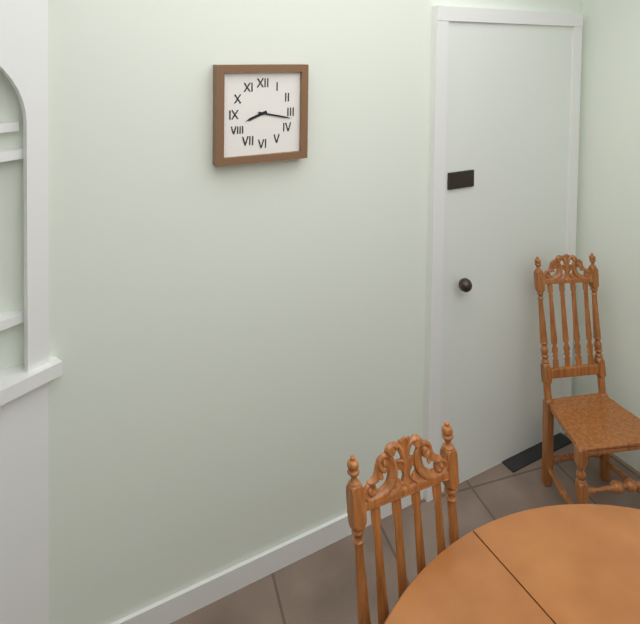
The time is {"hour": 8, "minute": 17}
